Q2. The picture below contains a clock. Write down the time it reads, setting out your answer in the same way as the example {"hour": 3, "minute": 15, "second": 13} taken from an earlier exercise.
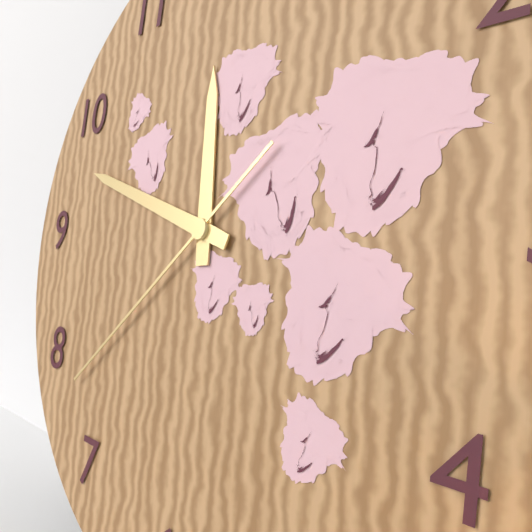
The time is {"hour": 11, "minute": 48, "second": 38}
